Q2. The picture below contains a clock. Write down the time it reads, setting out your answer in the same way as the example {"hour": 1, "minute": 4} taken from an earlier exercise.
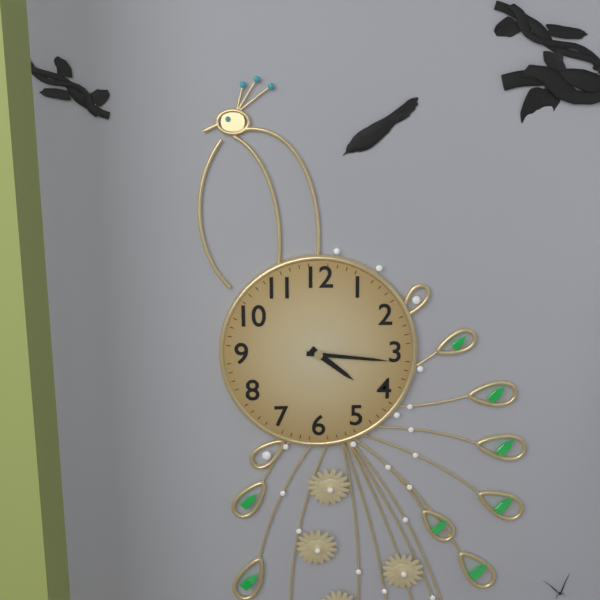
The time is {"hour": 4, "minute": 16}
